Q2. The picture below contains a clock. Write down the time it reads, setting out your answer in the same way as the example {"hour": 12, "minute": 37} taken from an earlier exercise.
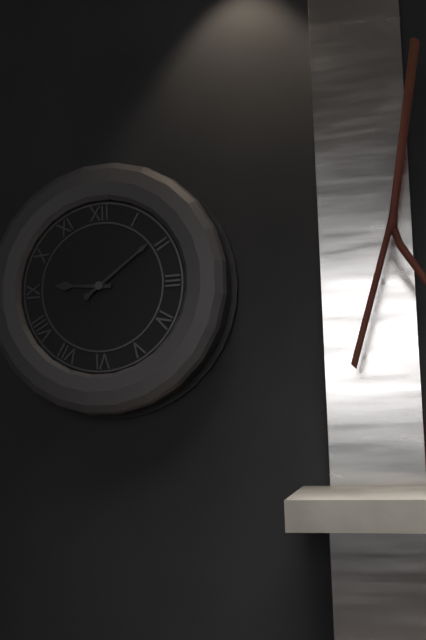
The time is {"hour": 9, "minute": 9}
